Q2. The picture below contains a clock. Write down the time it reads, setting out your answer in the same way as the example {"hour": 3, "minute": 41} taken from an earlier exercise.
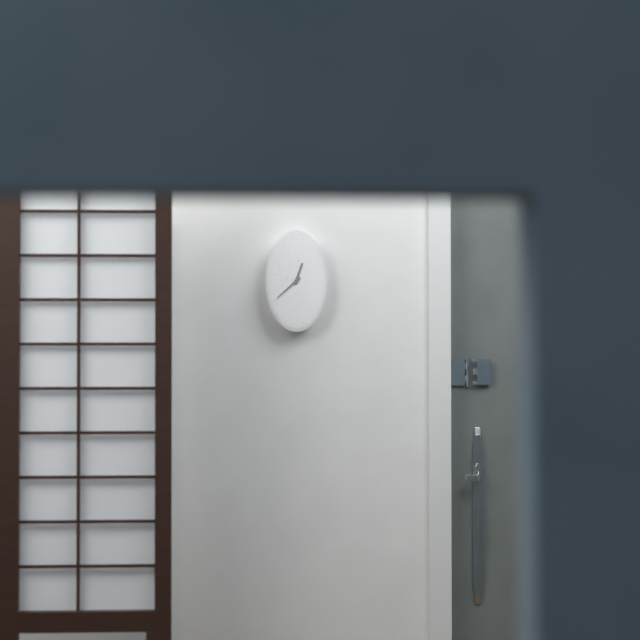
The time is {"hour": 12, "minute": 38}
